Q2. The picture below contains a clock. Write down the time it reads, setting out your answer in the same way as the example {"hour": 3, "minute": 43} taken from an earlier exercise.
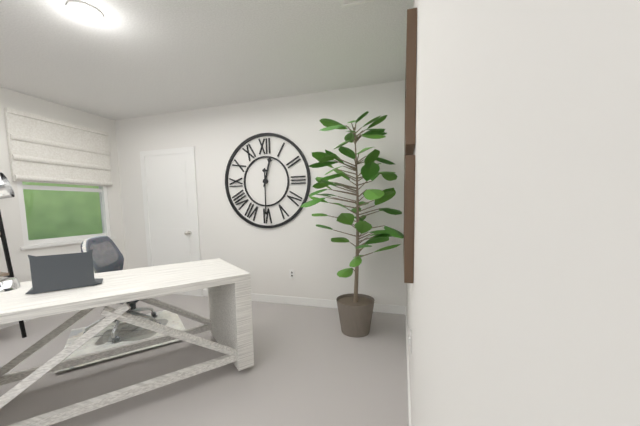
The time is {"hour": 12, "minute": 30}
